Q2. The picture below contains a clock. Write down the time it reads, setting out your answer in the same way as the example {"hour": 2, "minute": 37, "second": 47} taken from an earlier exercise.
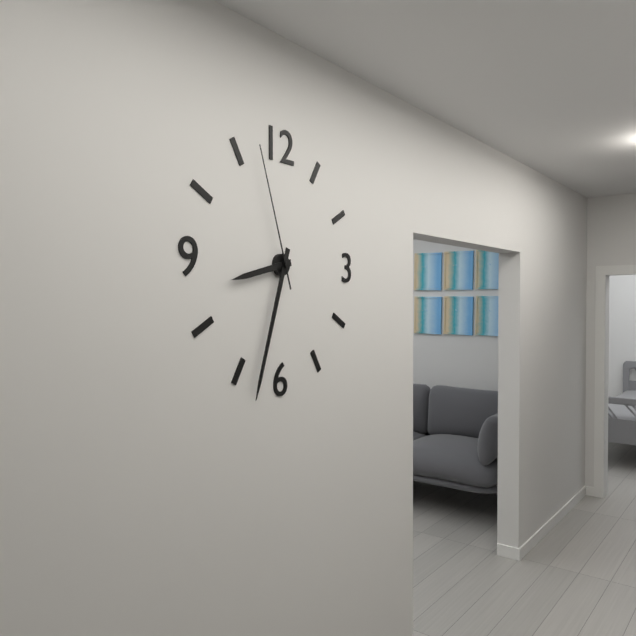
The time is {"hour": 8, "minute": 33, "second": 57}
